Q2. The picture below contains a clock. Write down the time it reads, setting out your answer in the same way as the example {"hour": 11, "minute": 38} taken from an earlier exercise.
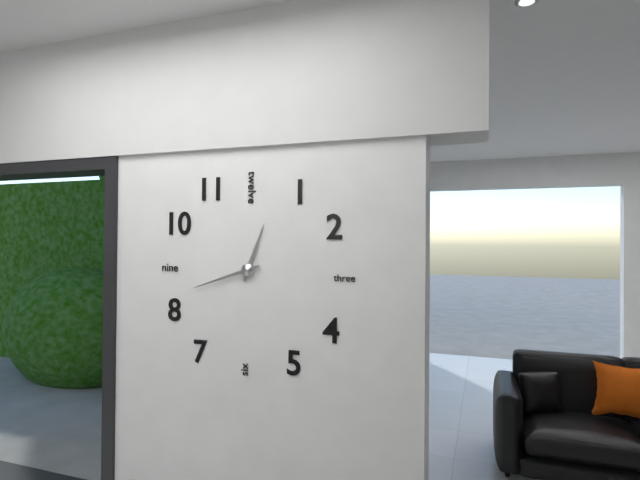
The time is {"hour": 12, "minute": 42}
